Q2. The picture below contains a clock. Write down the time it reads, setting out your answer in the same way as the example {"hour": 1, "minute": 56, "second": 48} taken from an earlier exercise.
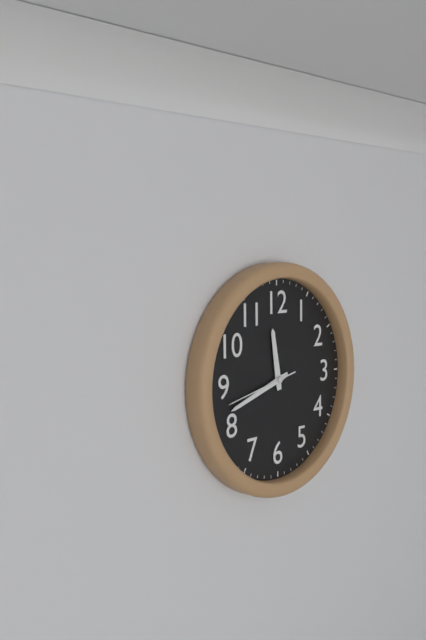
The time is {"hour": 11, "minute": 42, "second": 43}
